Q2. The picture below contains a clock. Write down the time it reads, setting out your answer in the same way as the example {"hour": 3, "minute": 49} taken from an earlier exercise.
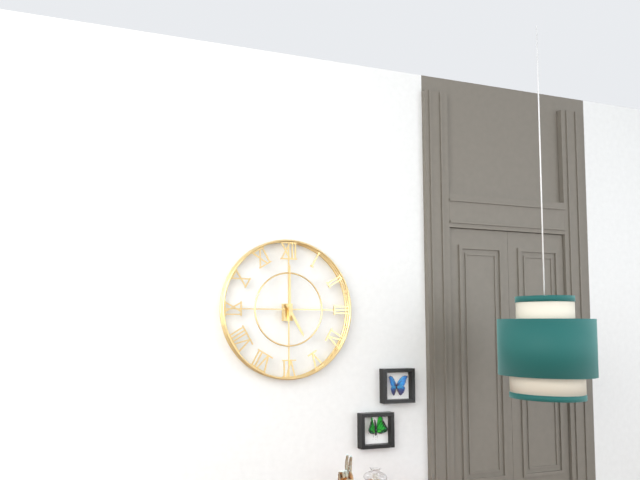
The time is {"hour": 5, "minute": 0}
